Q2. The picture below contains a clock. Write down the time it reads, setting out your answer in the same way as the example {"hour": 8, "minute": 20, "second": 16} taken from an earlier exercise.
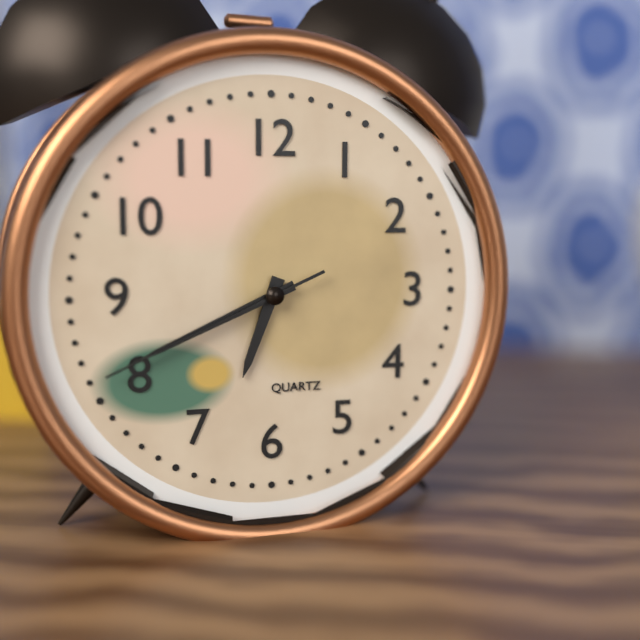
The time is {"hour": 6, "minute": 41, "second": 41}
